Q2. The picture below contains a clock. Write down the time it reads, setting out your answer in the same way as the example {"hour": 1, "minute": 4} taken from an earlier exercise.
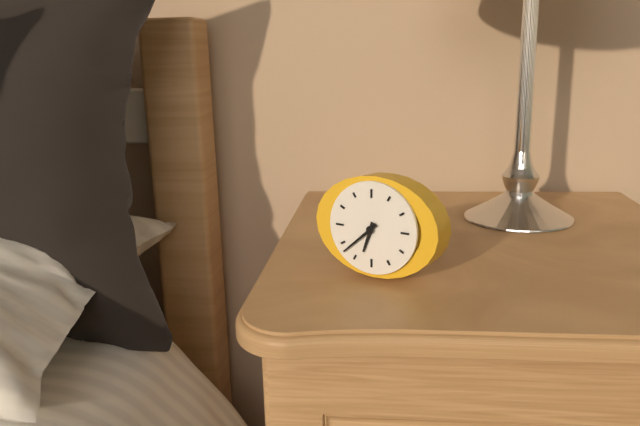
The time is {"hour": 6, "minute": 38}
